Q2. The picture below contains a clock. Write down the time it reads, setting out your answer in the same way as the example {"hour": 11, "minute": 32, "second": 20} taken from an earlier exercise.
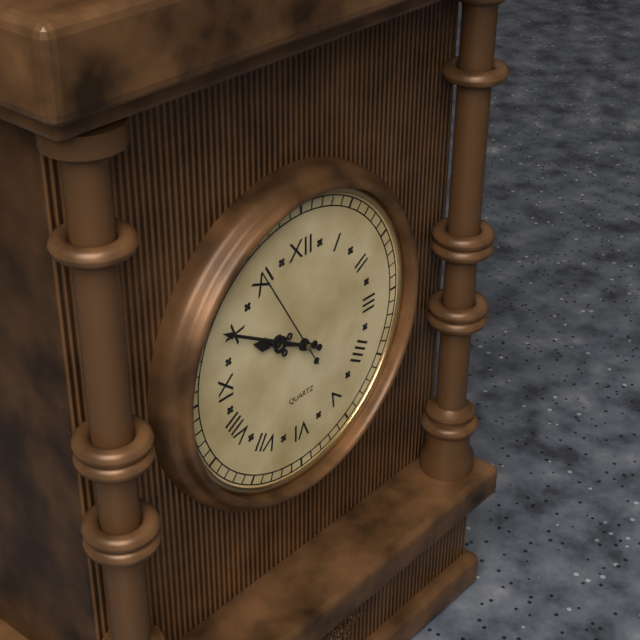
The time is {"hour": 9, "minute": 50, "second": 55}
